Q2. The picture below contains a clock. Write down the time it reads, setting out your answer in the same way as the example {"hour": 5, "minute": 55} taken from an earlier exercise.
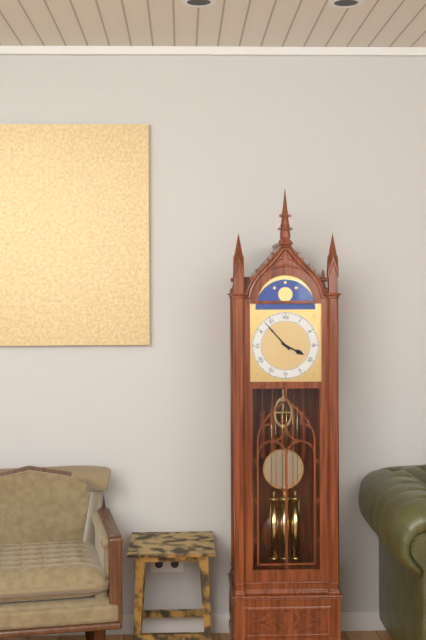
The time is {"hour": 3, "minute": 53}
